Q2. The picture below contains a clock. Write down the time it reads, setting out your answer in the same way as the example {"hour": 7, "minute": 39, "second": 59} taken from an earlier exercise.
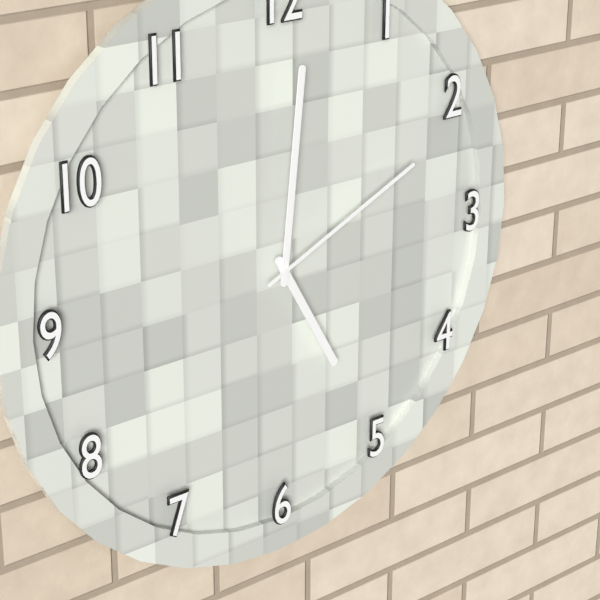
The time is {"hour": 5, "minute": 1, "second": 11}
